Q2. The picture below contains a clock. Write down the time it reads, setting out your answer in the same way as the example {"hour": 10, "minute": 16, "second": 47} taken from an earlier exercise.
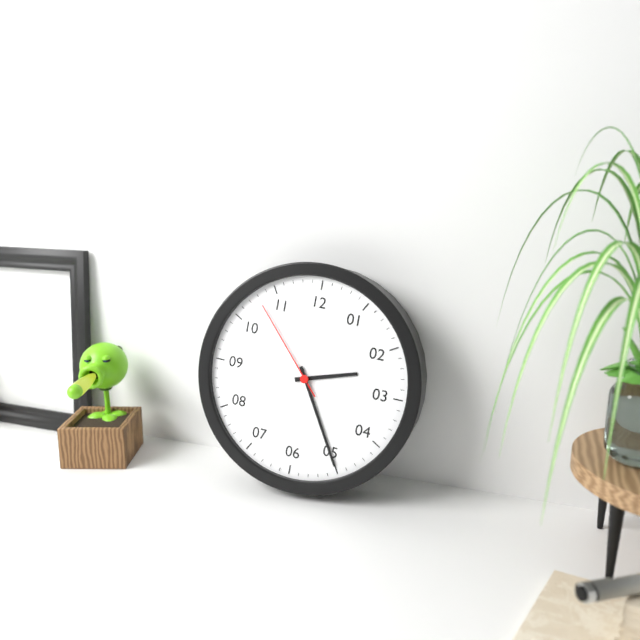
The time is {"hour": 2, "minute": 25, "second": 53}
